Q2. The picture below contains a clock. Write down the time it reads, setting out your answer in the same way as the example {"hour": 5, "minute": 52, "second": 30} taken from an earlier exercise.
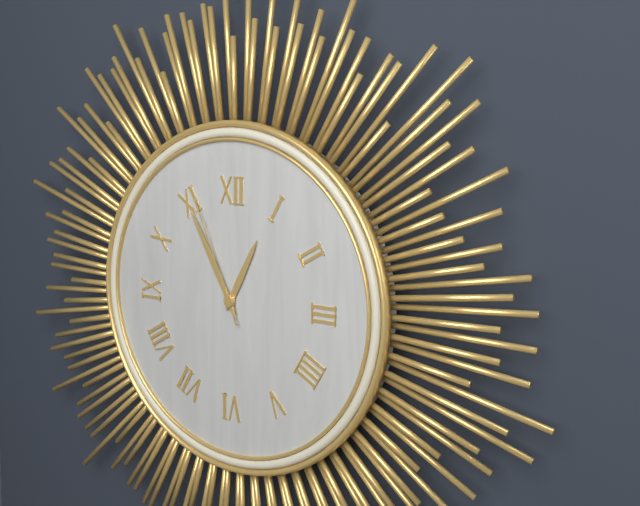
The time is {"hour": 12, "minute": 55, "second": 56}
